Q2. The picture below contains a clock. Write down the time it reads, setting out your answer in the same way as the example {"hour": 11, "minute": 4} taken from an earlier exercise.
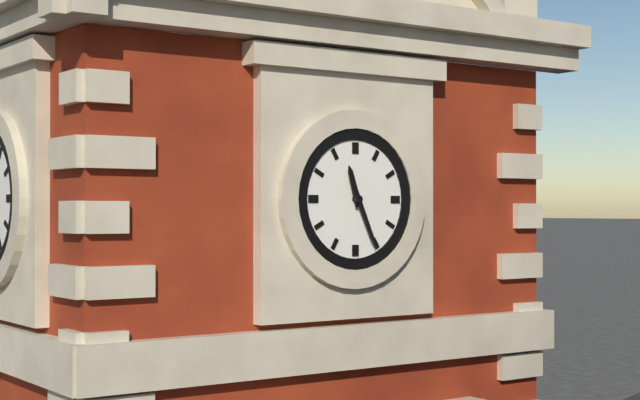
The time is {"hour": 11, "minute": 26}
